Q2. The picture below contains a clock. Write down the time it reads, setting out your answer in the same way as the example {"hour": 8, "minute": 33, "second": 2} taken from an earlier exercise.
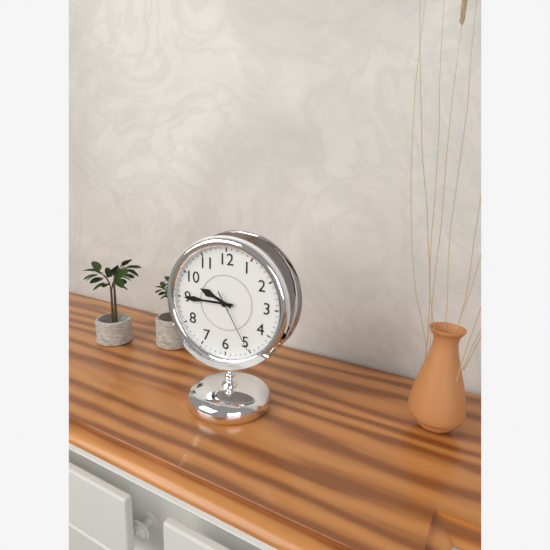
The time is {"hour": 9, "minute": 45, "second": 25}
